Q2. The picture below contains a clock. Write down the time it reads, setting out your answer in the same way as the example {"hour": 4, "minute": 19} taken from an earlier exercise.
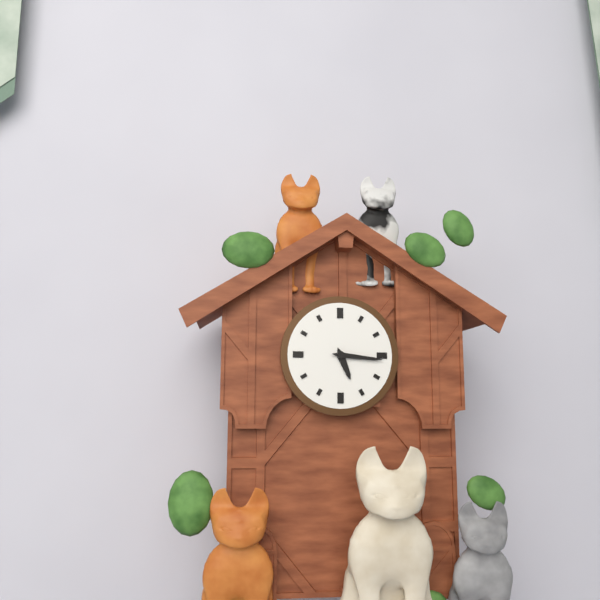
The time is {"hour": 5, "minute": 16}
